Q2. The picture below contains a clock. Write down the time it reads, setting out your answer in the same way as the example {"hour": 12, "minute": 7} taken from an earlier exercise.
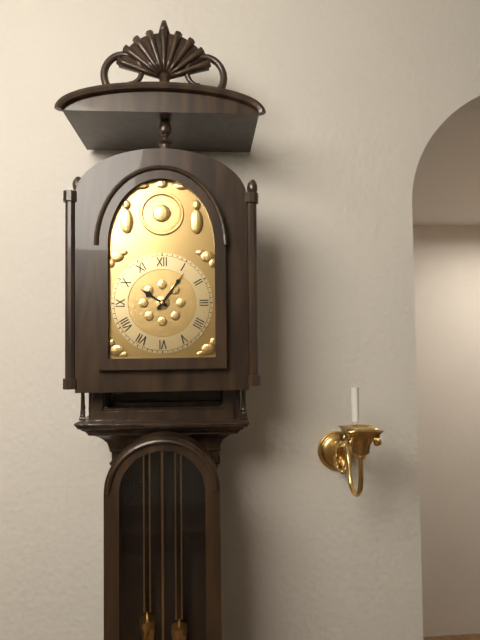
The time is {"hour": 10, "minute": 6}
